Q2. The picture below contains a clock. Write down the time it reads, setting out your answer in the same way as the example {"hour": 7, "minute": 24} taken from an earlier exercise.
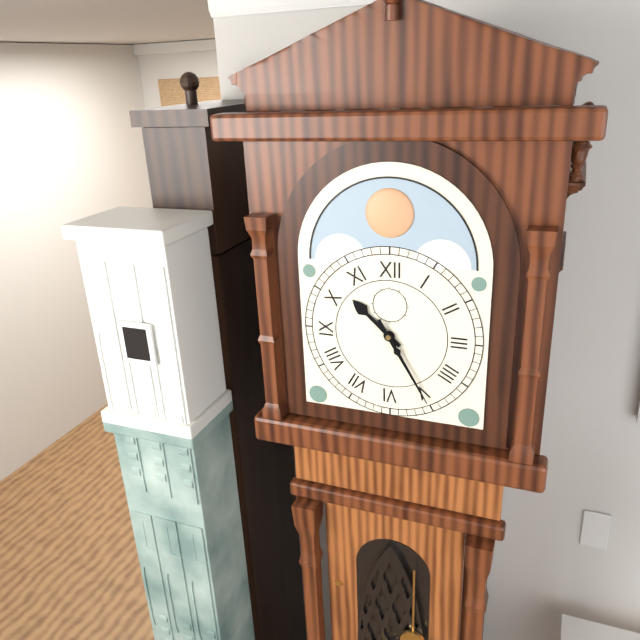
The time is {"hour": 10, "minute": 25}
